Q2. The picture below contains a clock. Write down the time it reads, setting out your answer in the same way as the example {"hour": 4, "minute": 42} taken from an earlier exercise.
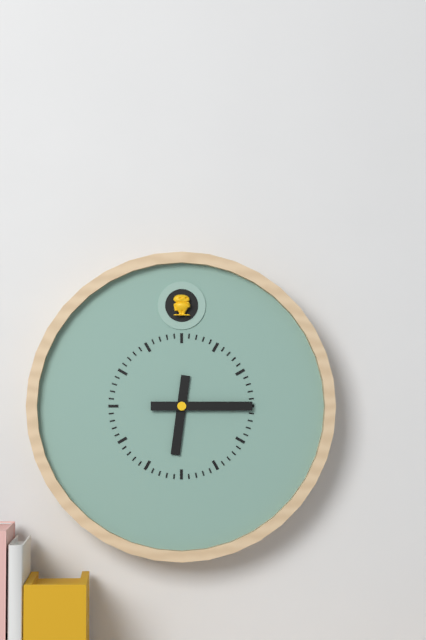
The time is {"hour": 6, "minute": 15}
